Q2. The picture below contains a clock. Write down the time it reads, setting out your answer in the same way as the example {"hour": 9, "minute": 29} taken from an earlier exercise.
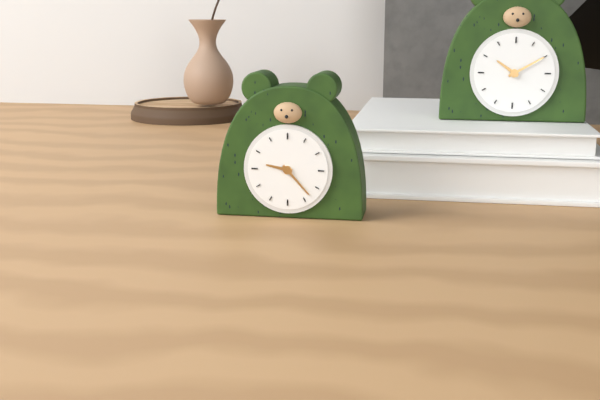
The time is {"hour": 9, "minute": 23}
